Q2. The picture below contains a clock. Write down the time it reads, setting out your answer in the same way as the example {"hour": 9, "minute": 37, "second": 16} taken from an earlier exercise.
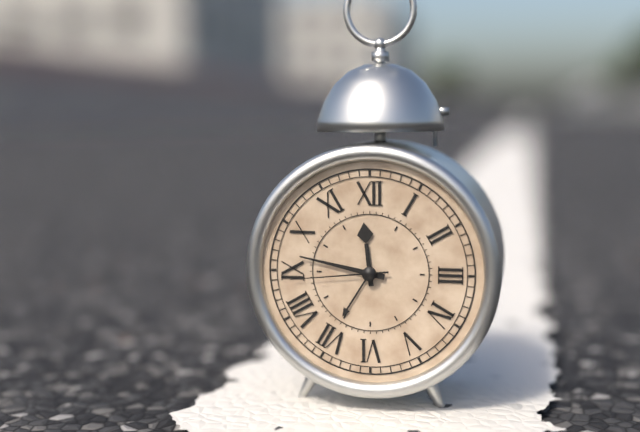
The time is {"hour": 11, "minute": 47, "second": 44}
